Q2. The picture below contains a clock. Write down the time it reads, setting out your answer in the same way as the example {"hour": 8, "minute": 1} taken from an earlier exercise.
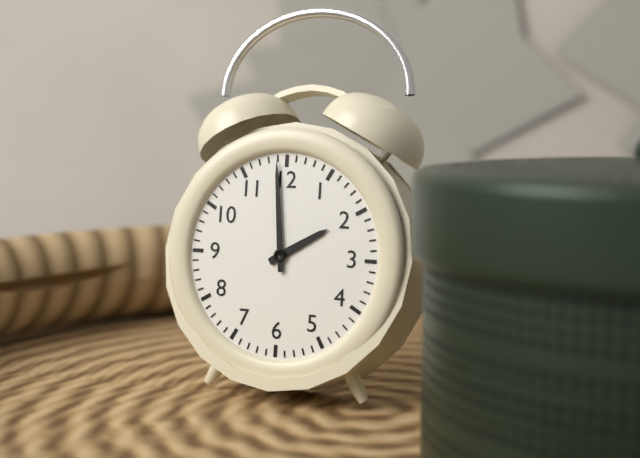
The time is {"hour": 1, "minute": 59}
